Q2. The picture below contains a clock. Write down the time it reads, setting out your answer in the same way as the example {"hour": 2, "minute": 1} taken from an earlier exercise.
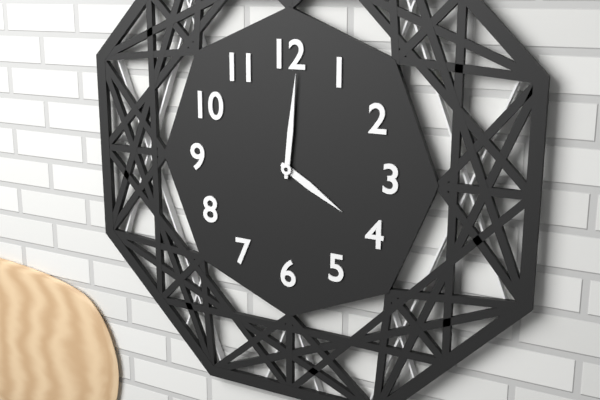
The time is {"hour": 4, "minute": 1}
